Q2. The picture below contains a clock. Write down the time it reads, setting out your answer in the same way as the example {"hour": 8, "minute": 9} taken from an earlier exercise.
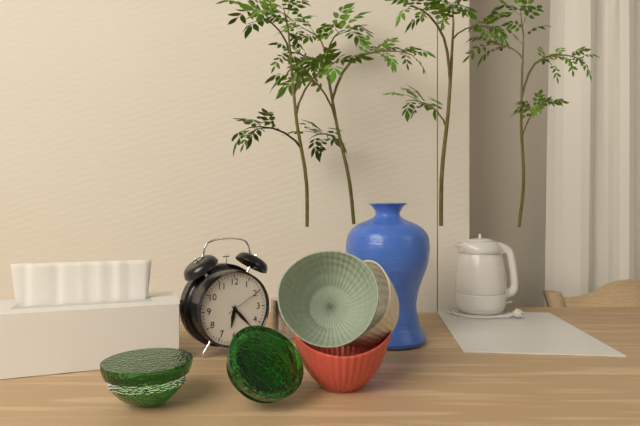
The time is {"hour": 6, "minute": 23}
